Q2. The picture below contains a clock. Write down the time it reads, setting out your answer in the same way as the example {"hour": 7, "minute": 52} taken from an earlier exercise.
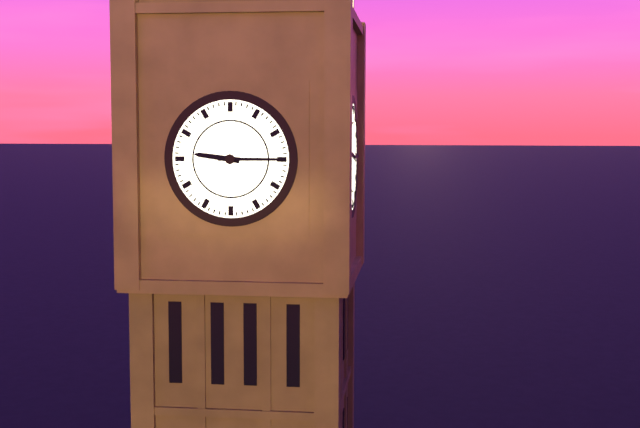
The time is {"hour": 9, "minute": 15}
